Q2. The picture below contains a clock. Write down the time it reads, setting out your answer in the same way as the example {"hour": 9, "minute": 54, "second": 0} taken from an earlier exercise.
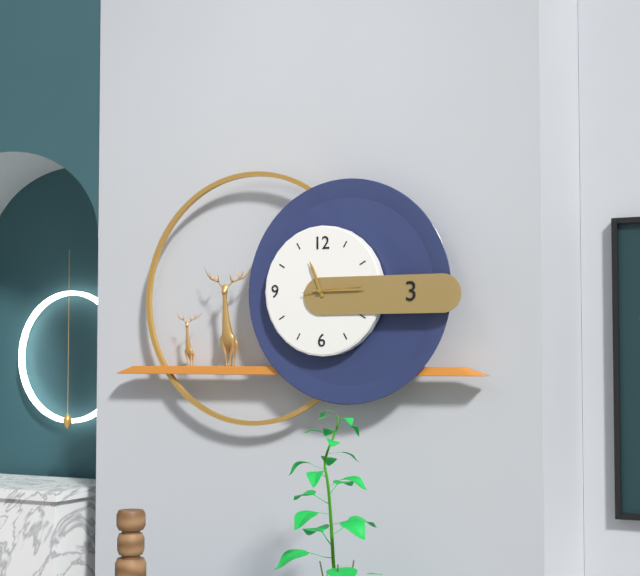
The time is {"hour": 11, "minute": 15, "second": 14}
